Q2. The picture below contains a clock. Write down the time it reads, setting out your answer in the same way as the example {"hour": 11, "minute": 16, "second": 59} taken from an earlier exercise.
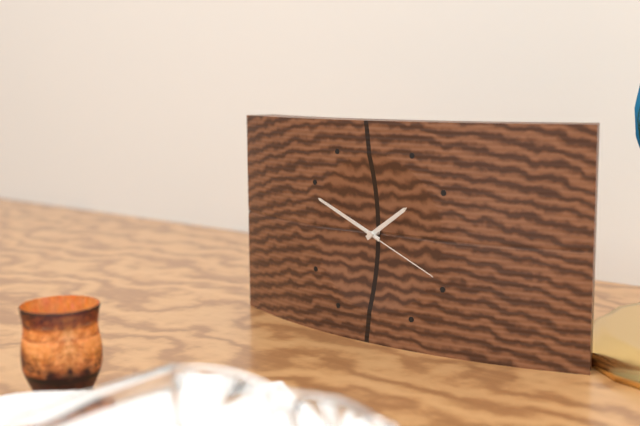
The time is {"hour": 1, "minute": 49, "second": 19}
